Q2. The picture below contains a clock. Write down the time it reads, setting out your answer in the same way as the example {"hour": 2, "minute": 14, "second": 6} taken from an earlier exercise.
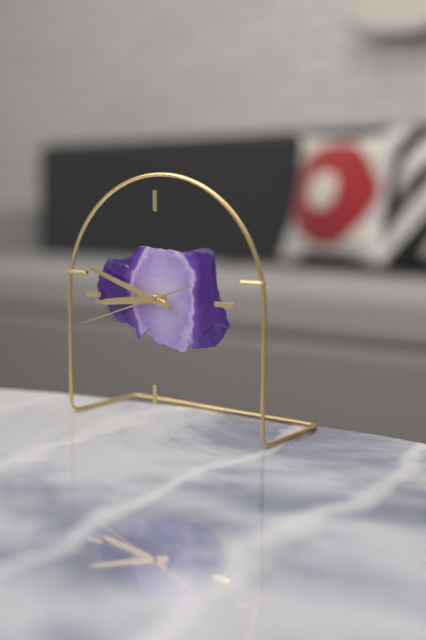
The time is {"hour": 8, "minute": 48, "second": 42}
